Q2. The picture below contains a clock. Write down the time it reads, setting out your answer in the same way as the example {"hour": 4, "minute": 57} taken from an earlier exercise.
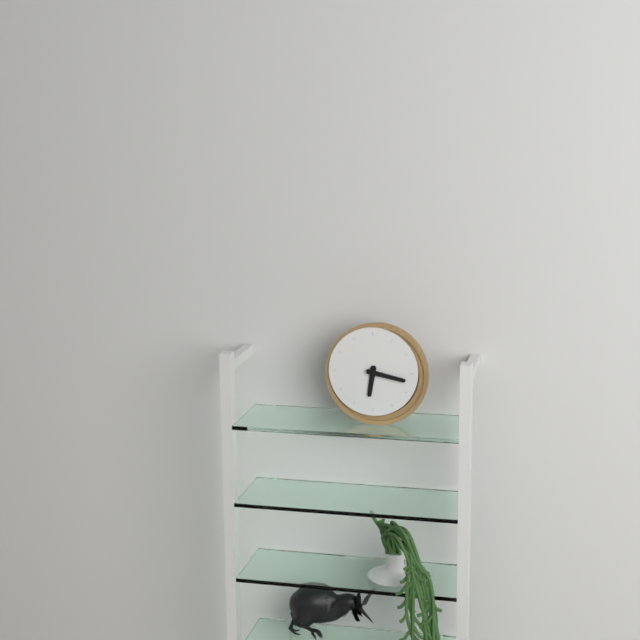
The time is {"hour": 6, "minute": 17}
